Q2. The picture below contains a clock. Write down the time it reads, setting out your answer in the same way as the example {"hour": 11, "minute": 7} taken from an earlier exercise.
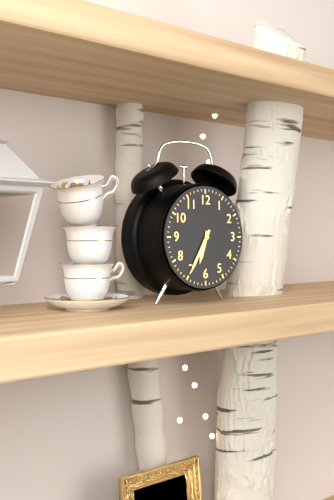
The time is {"hour": 6, "minute": 35}
